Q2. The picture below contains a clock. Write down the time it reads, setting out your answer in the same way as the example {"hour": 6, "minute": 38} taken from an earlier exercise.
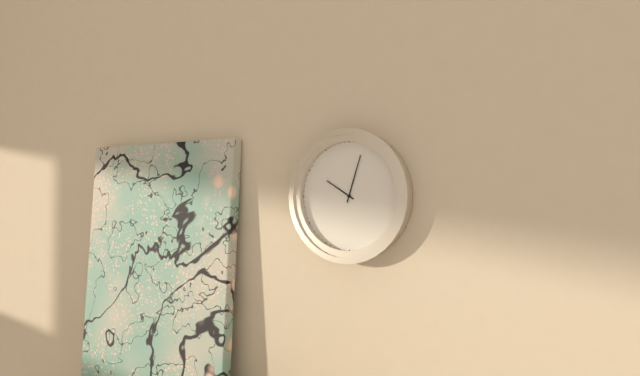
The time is {"hour": 10, "minute": 3}
